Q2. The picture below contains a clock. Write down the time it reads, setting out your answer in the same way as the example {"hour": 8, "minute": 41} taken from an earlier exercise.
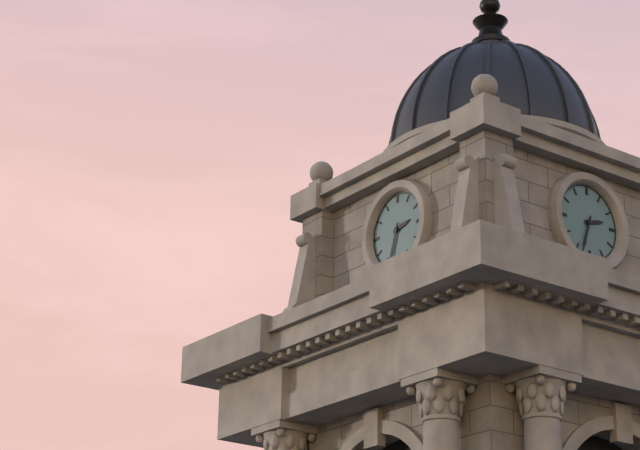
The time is {"hour": 2, "minute": 33}
